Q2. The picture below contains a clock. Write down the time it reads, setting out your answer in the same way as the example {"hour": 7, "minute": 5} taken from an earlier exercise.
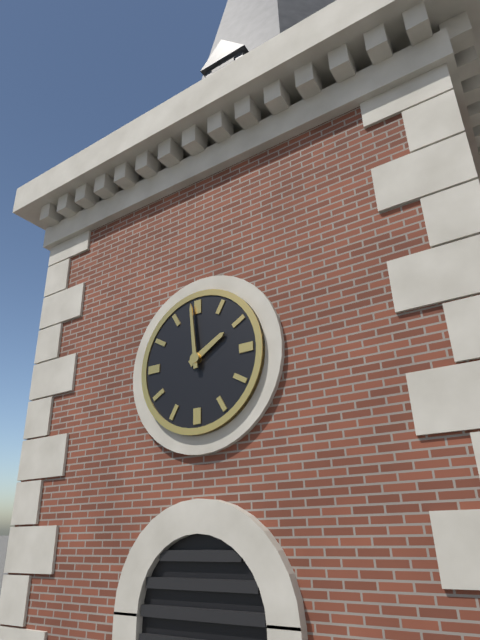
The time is {"hour": 1, "minute": 59}
